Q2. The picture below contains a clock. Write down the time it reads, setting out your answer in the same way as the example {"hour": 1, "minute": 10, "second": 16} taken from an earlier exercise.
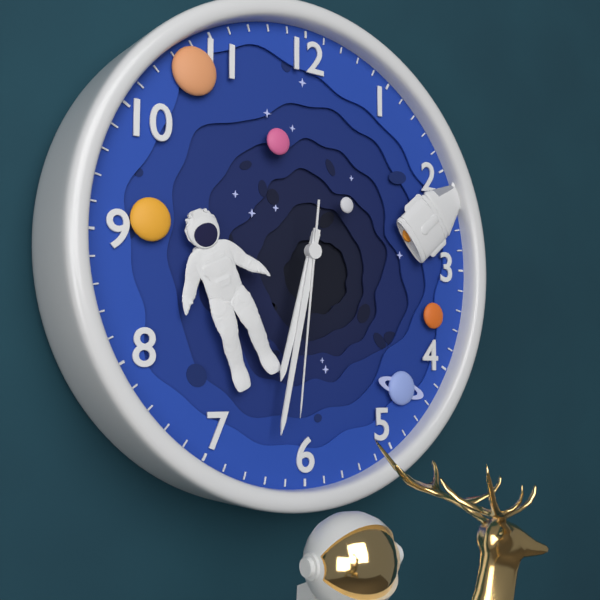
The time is {"hour": 6, "minute": 32, "second": 31}
